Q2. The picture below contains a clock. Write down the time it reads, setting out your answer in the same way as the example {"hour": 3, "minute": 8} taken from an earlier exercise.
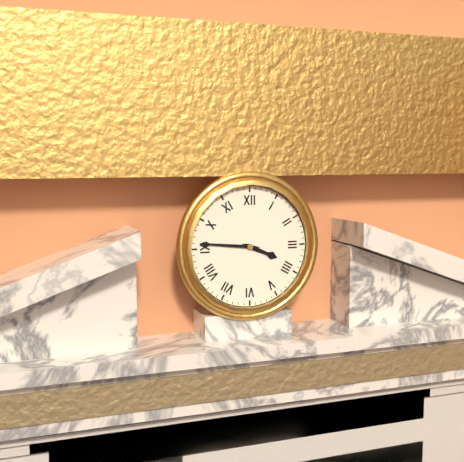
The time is {"hour": 3, "minute": 46}
